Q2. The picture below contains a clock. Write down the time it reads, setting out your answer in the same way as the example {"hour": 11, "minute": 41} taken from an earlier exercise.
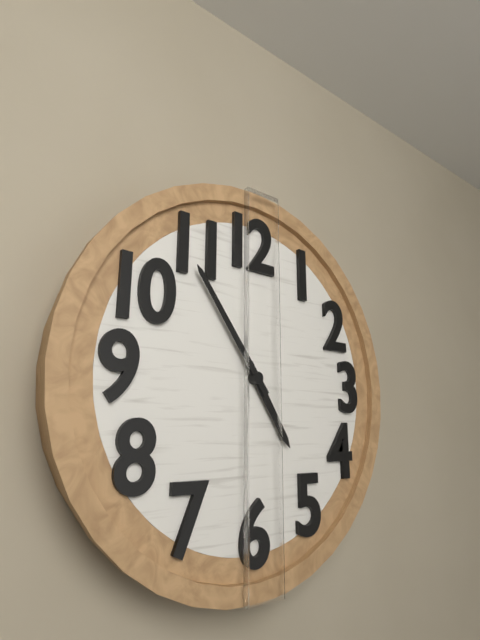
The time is {"hour": 4, "minute": 54}
